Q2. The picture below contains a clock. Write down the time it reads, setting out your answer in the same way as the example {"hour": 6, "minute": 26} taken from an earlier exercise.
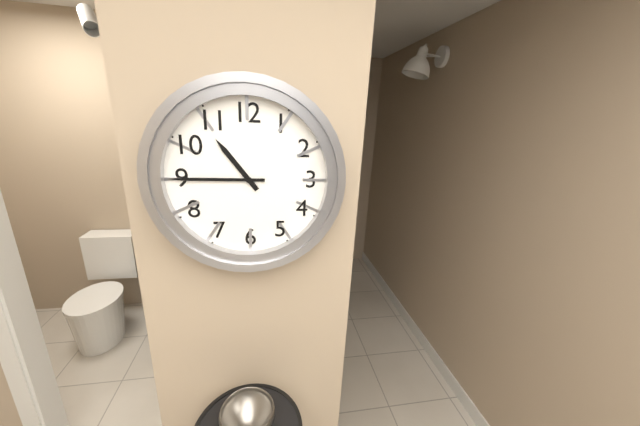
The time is {"hour": 10, "minute": 45}
